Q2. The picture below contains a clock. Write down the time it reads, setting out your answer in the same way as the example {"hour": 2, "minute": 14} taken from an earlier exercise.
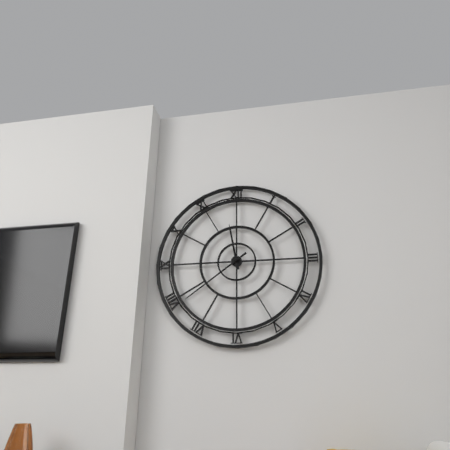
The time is {"hour": 11, "minute": 39}
